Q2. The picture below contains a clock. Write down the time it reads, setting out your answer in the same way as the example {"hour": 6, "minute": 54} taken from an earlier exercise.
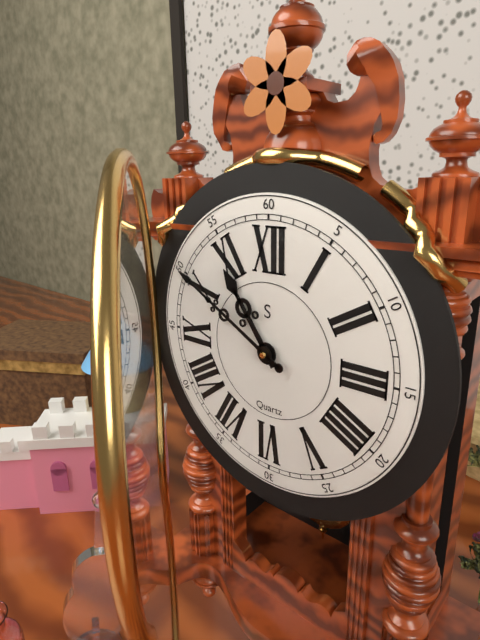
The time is {"hour": 10, "minute": 50}
